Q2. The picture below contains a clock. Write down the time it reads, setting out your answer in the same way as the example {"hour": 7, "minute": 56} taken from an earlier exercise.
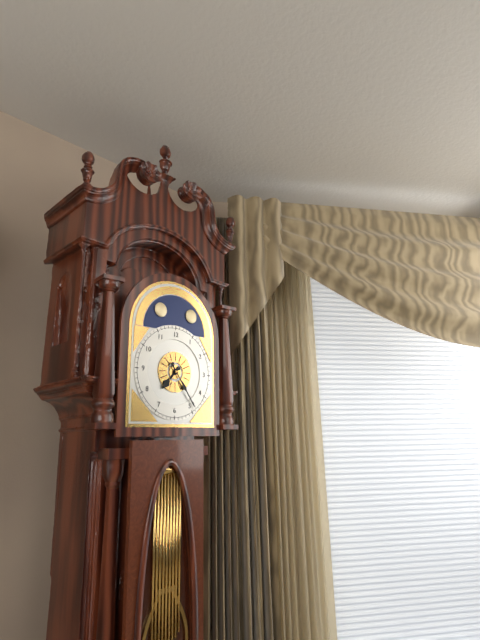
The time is {"hour": 7, "minute": 24}
